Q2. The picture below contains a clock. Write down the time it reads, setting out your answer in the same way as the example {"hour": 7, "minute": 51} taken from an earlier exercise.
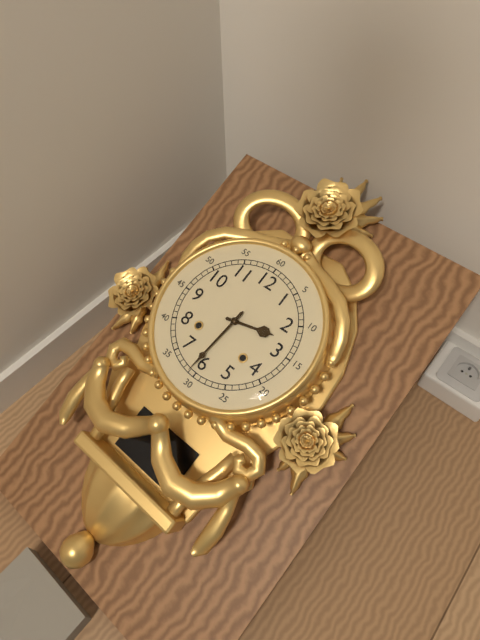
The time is {"hour": 2, "minute": 31}
